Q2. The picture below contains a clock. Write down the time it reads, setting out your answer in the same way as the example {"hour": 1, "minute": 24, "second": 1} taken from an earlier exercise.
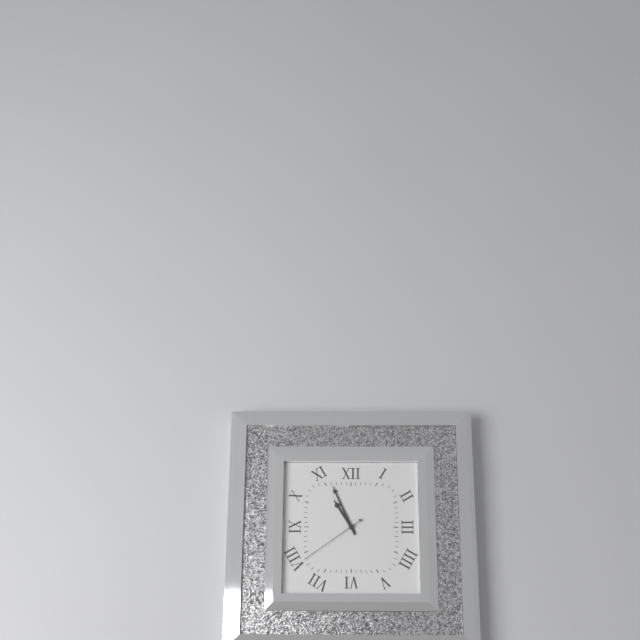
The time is {"hour": 10, "minute": 56, "second": 39}
